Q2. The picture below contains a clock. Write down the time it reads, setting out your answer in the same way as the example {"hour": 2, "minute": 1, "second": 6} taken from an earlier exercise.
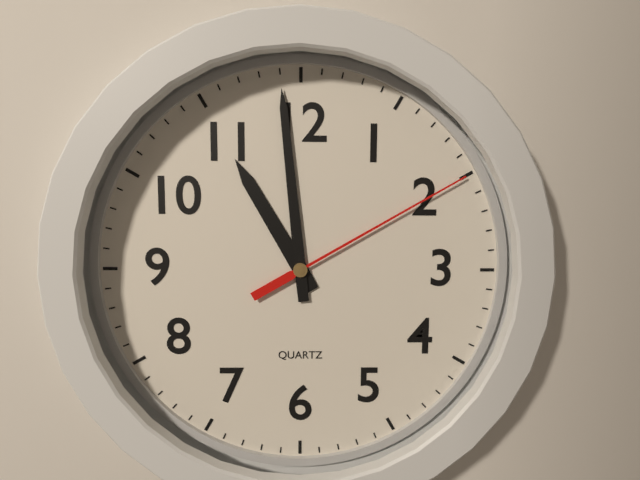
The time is {"hour": 10, "minute": 59, "second": 10}
